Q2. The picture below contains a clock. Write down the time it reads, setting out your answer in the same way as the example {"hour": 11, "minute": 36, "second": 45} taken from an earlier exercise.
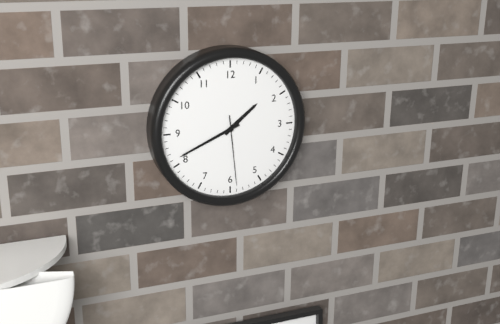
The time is {"hour": 1, "minute": 41, "second": 29}
